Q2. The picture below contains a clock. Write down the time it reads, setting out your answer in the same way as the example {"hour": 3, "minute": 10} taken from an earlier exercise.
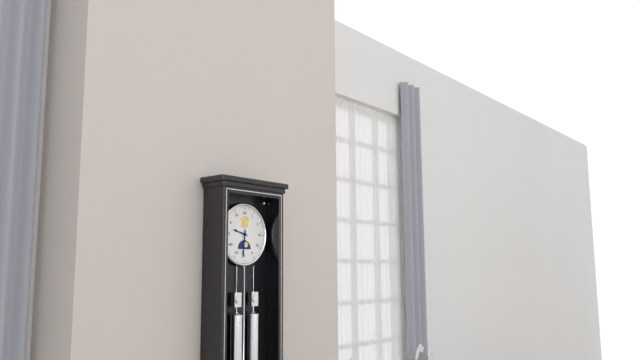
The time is {"hour": 9, "minute": 31}
